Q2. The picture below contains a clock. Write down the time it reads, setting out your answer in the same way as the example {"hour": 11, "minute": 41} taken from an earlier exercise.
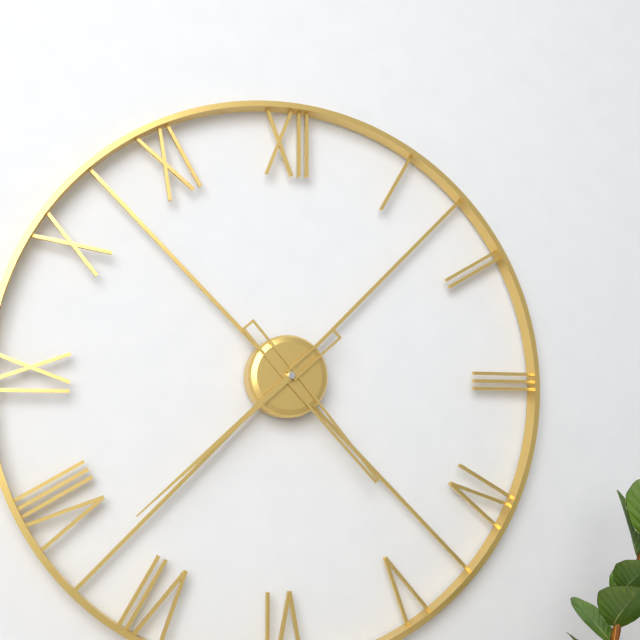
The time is {"hour": 4, "minute": 38}
